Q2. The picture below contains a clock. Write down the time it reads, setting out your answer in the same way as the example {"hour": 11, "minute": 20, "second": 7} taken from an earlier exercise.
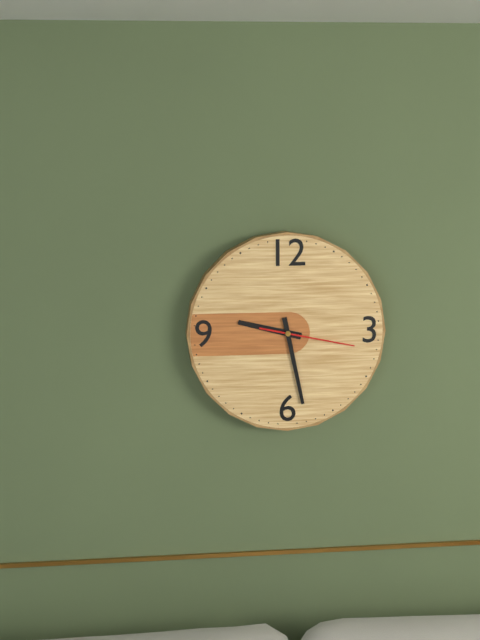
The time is {"hour": 9, "minute": 28, "second": 17}
